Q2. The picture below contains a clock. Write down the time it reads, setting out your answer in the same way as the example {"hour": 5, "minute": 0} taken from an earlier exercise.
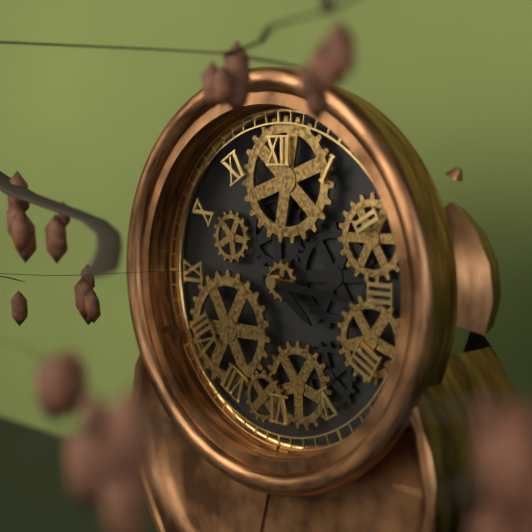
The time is {"hour": 4, "minute": 16}
